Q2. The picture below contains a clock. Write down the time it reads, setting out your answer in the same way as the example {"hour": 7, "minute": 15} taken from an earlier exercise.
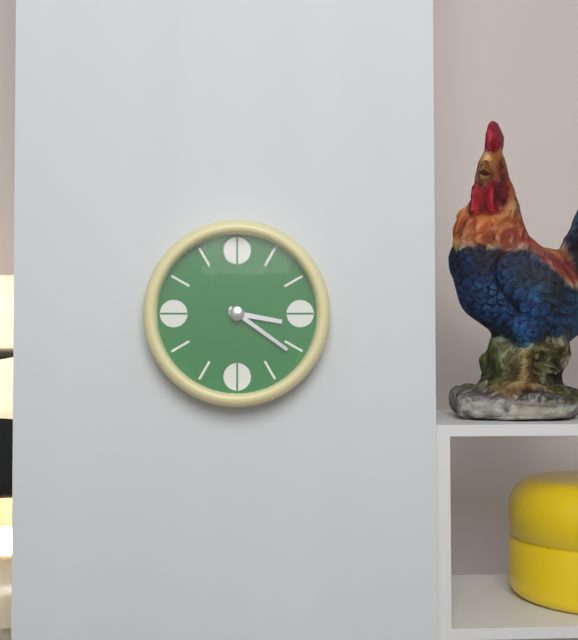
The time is {"hour": 3, "minute": 21}
